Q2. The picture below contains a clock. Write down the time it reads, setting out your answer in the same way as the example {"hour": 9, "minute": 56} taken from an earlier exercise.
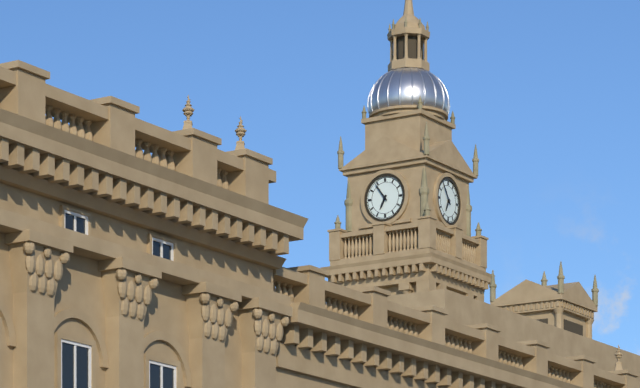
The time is {"hour": 6, "minute": 54}
